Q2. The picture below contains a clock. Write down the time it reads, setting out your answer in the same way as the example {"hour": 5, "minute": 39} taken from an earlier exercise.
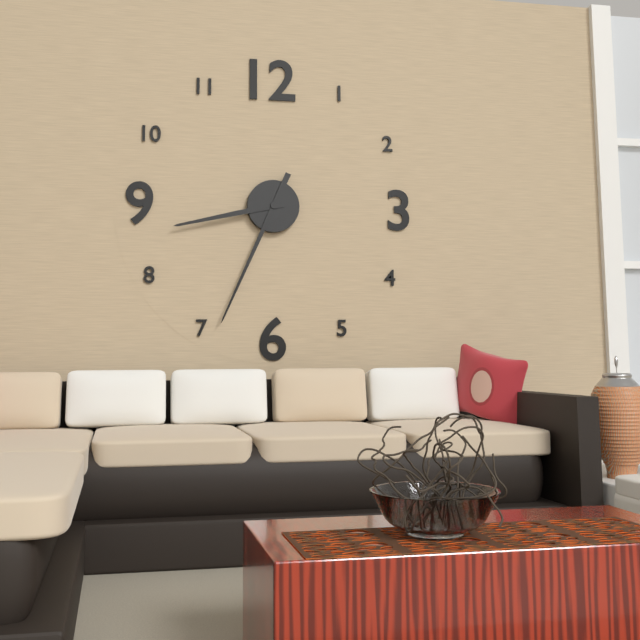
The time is {"hour": 8, "minute": 34}
